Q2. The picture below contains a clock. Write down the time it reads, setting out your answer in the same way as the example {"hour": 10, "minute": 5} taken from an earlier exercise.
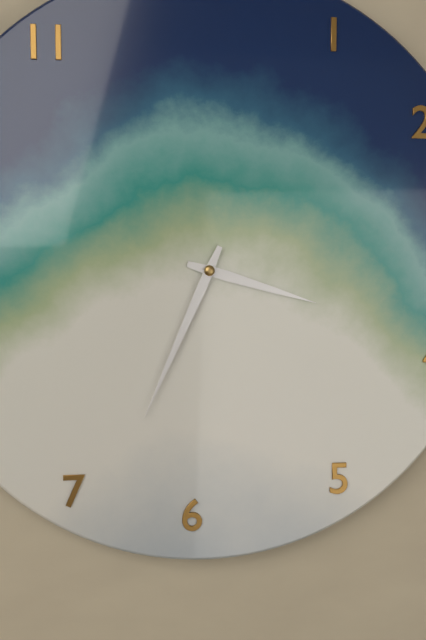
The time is {"hour": 3, "minute": 34}
